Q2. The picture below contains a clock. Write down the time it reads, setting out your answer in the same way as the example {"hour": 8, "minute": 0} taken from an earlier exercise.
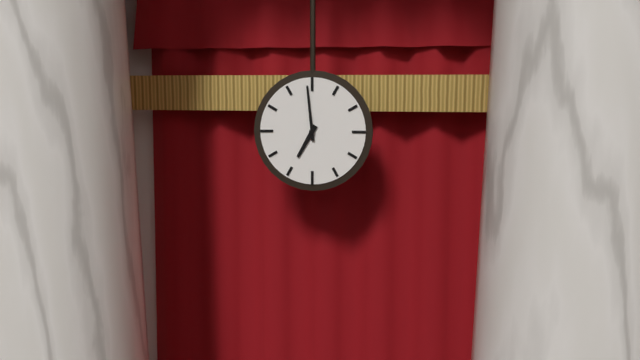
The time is {"hour": 6, "minute": 59}
